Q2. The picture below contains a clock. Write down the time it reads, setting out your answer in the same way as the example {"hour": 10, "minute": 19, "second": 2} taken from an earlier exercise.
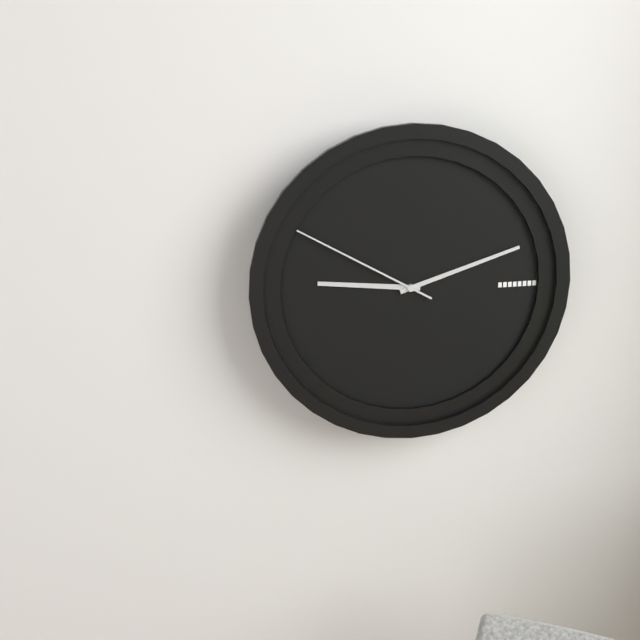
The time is {"hour": 9, "minute": 12, "second": 50}
